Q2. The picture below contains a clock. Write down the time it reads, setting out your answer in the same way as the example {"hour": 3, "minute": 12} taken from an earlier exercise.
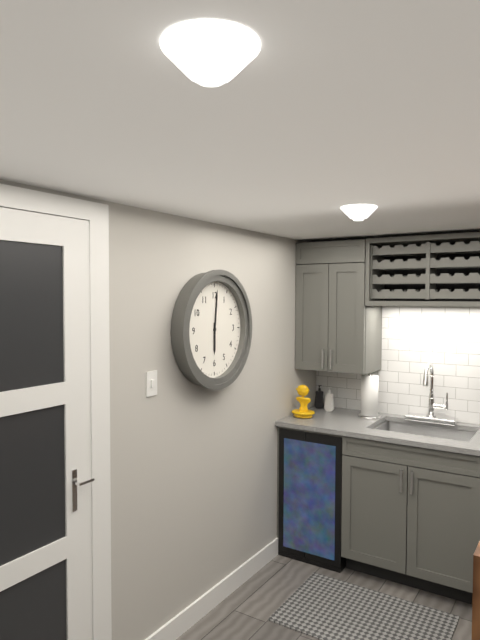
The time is {"hour": 6, "minute": 1}
